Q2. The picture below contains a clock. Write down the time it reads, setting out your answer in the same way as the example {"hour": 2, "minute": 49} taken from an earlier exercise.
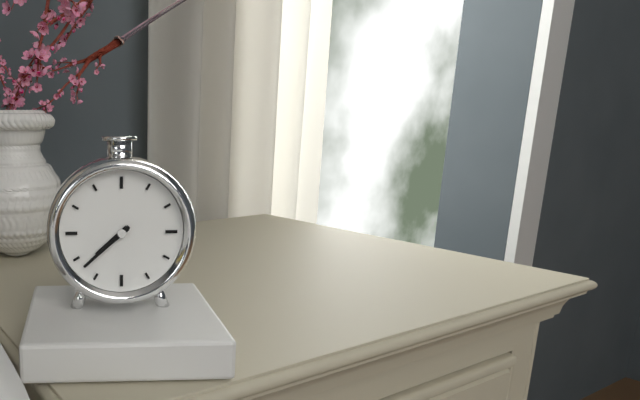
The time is {"hour": 7, "minute": 38}
